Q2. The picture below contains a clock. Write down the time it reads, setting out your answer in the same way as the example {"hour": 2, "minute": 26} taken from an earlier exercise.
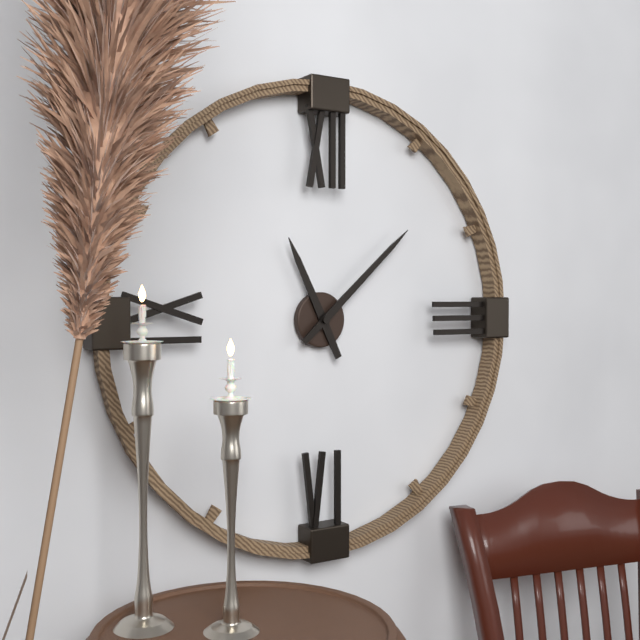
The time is {"hour": 11, "minute": 8}
